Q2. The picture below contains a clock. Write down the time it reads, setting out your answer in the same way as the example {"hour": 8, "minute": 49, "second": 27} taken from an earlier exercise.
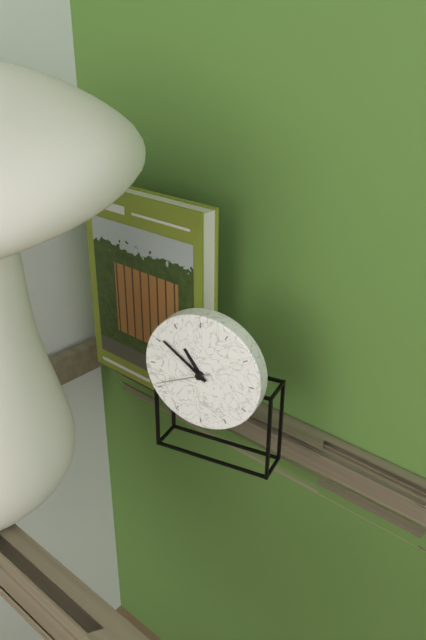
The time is {"hour": 10, "minute": 51, "second": 41}
